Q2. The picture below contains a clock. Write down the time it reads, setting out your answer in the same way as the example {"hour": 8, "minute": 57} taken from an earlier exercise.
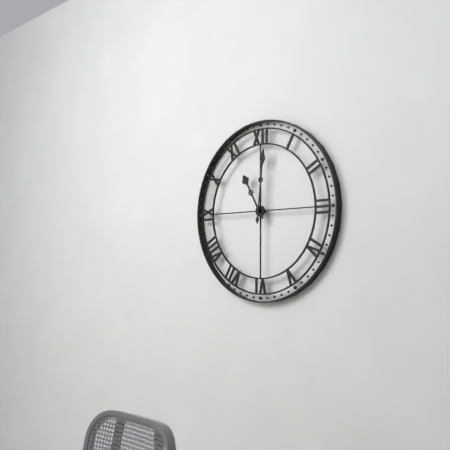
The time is {"hour": 11, "minute": 1}
